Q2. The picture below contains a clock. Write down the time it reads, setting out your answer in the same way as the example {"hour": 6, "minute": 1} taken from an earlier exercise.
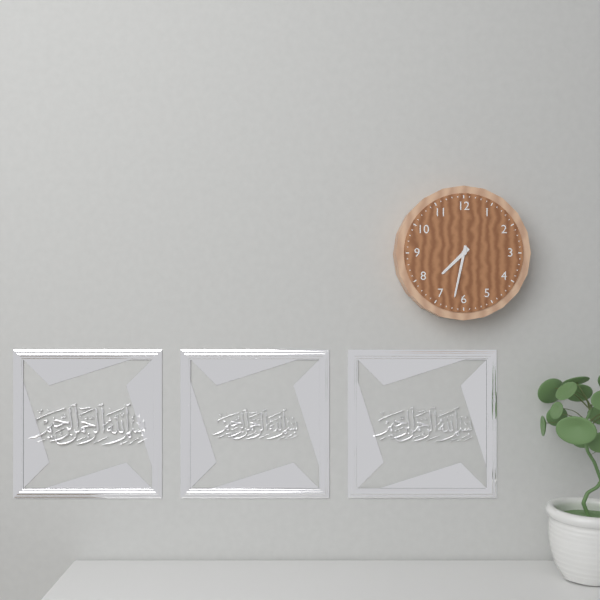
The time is {"hour": 7, "minute": 32}
